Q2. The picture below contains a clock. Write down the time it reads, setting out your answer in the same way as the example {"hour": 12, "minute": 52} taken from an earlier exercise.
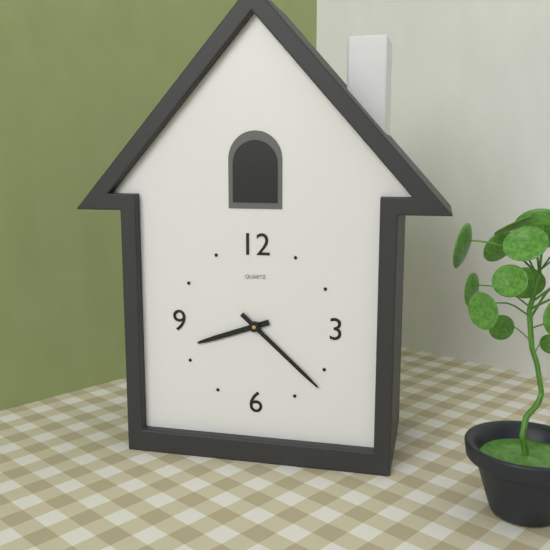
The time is {"hour": 8, "minute": 22}
